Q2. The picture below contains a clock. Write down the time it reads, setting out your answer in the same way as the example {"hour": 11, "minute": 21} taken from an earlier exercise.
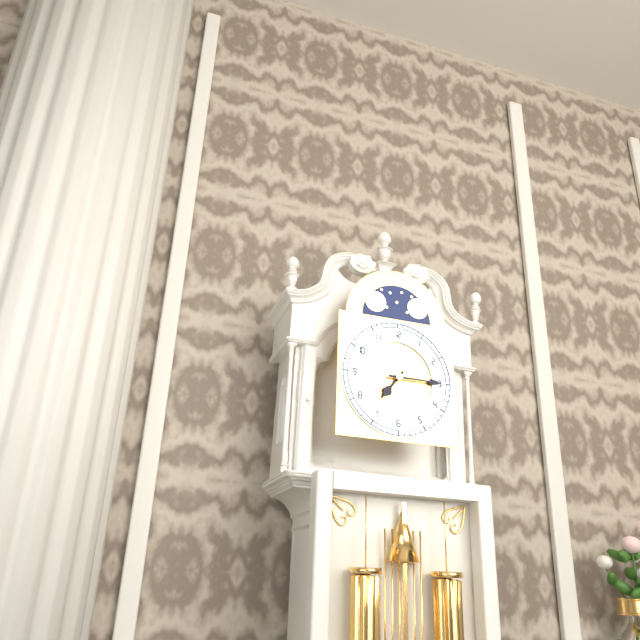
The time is {"hour": 7, "minute": 15}
